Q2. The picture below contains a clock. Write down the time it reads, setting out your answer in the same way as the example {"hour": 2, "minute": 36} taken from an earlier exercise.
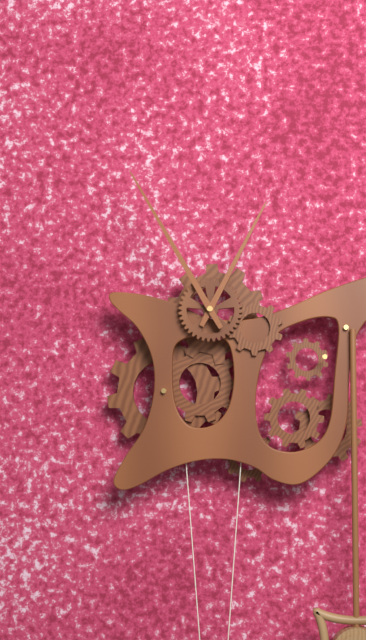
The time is {"hour": 12, "minute": 55}
